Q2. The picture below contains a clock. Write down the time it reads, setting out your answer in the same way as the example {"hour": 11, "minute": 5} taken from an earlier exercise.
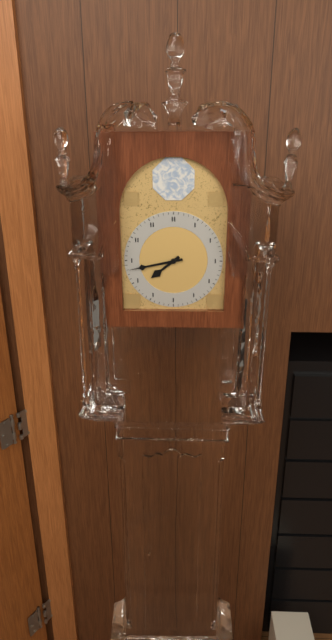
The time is {"hour": 7, "minute": 43}
